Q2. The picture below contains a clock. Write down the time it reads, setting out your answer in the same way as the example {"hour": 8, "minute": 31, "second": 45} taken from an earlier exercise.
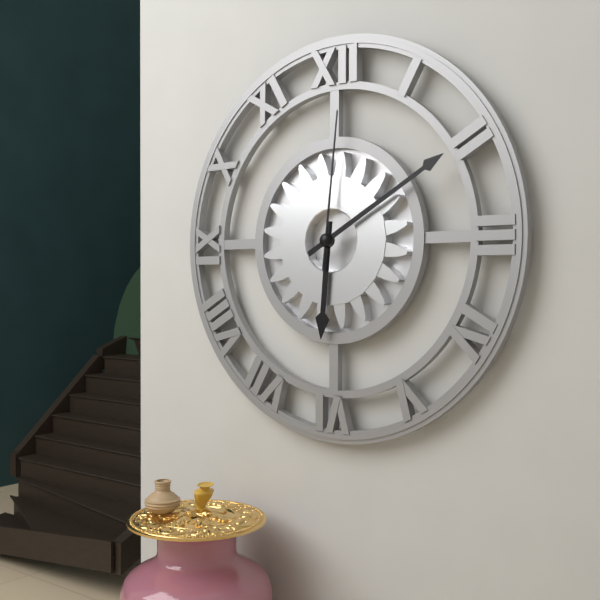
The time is {"hour": 6, "minute": 10, "second": 1}
